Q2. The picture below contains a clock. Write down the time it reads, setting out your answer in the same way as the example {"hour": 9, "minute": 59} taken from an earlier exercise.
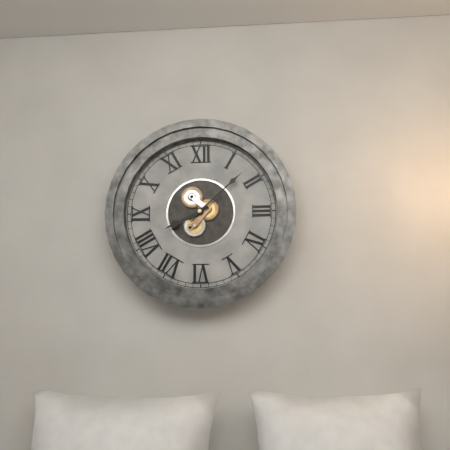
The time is {"hour": 8, "minute": 8}
